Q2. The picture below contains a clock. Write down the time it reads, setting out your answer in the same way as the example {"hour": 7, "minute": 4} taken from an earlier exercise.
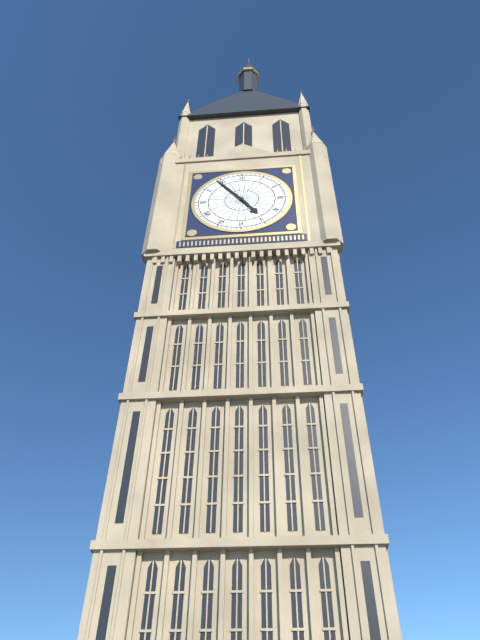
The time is {"hour": 4, "minute": 54}
